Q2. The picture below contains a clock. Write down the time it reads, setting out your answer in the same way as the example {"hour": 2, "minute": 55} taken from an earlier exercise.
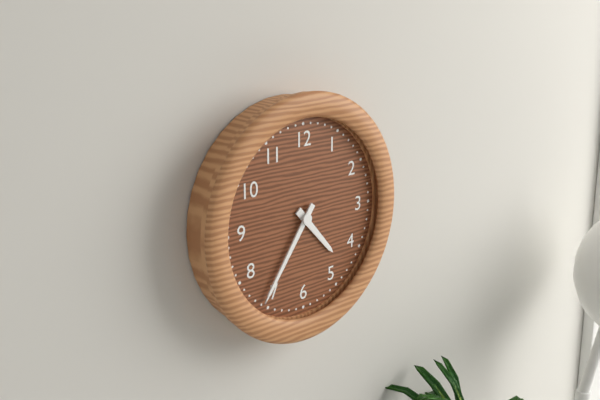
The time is {"hour": 4, "minute": 36}
